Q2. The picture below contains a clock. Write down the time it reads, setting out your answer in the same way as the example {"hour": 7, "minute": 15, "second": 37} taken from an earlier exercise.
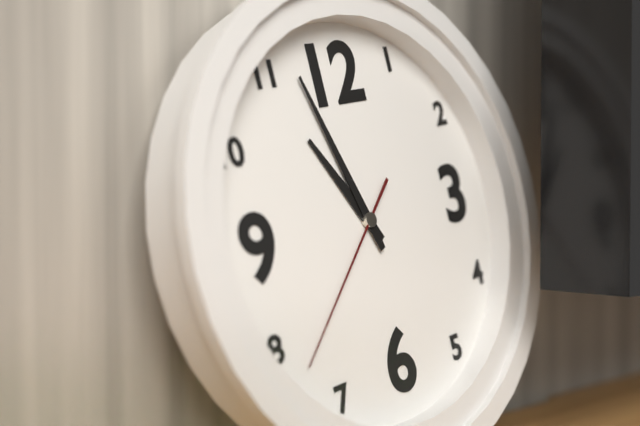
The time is {"hour": 10, "minute": 57, "second": 38}
